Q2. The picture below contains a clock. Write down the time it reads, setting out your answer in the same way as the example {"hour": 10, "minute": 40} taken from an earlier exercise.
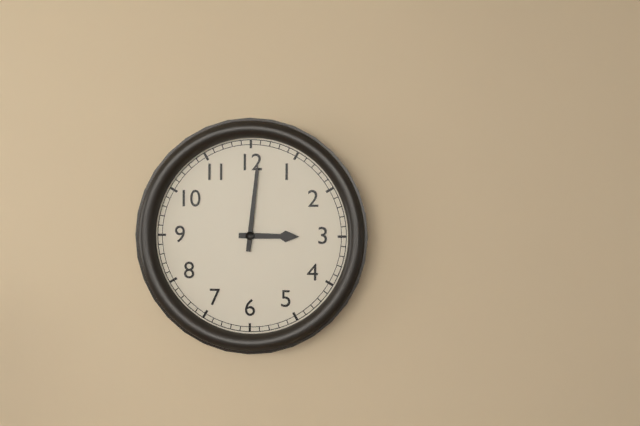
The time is {"hour": 3, "minute": 1}
